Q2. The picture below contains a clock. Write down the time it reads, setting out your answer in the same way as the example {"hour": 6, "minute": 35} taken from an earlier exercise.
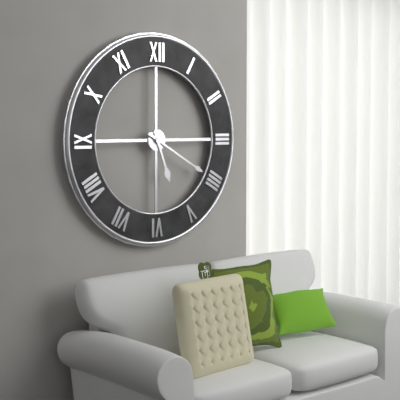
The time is {"hour": 5, "minute": 20}
